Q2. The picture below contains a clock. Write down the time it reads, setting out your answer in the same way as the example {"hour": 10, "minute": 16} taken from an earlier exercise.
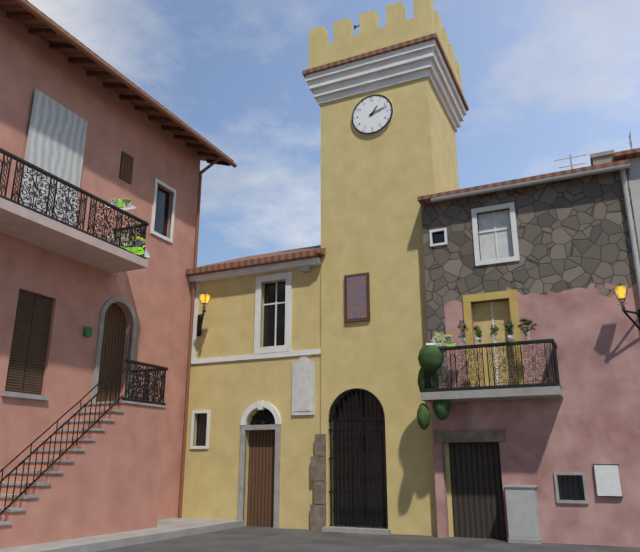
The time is {"hour": 1, "minute": 12}
